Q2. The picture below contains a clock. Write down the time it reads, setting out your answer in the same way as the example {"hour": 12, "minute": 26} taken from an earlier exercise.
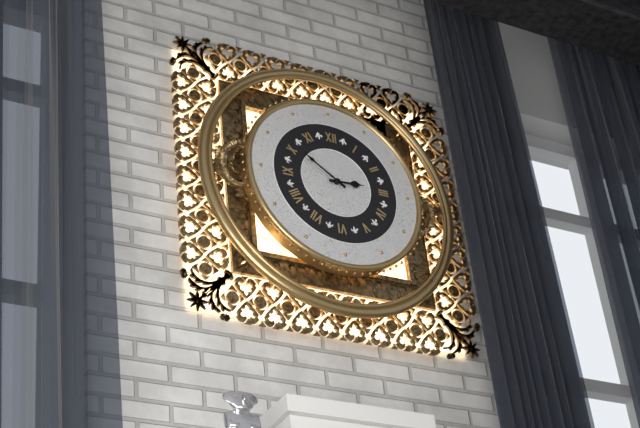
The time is {"hour": 2, "minute": 51}
